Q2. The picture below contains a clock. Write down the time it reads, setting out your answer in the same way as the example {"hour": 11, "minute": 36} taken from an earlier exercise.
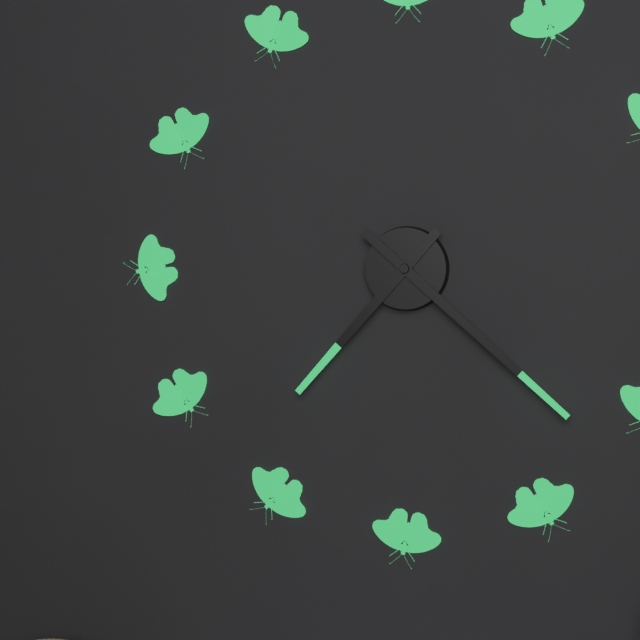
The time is {"hour": 7, "minute": 22}
